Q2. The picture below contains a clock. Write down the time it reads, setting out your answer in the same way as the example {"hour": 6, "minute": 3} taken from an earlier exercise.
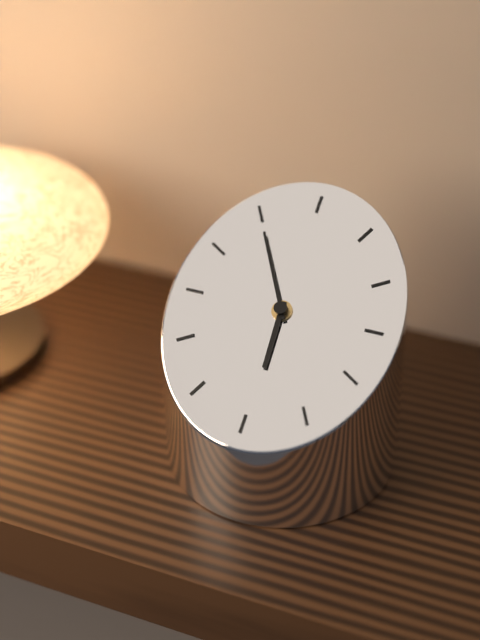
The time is {"hour": 5, "minute": 55}
